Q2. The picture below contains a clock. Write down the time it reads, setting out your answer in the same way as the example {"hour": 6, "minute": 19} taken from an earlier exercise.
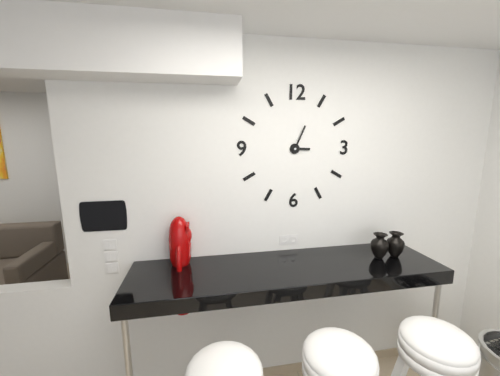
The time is {"hour": 3, "minute": 4}
